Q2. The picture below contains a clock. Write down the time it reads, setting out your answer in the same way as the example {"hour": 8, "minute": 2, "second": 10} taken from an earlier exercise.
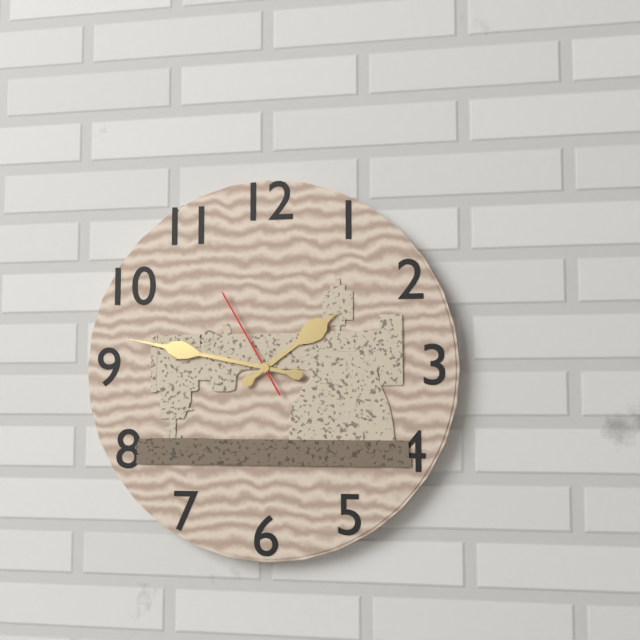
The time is {"hour": 1, "minute": 47, "second": 55}
